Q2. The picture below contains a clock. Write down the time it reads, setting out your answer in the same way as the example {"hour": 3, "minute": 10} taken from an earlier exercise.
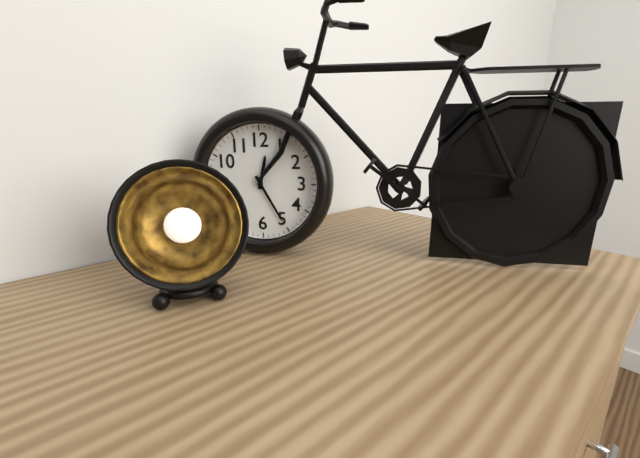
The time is {"hour": 12, "minute": 25}
